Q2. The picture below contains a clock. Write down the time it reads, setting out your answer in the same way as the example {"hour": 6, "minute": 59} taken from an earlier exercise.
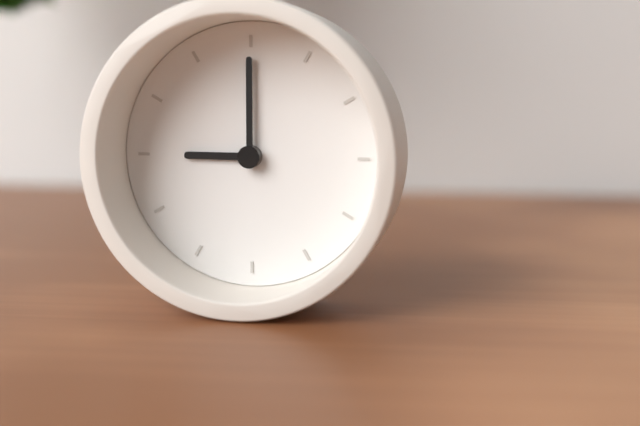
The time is {"hour": 9, "minute": 0}
